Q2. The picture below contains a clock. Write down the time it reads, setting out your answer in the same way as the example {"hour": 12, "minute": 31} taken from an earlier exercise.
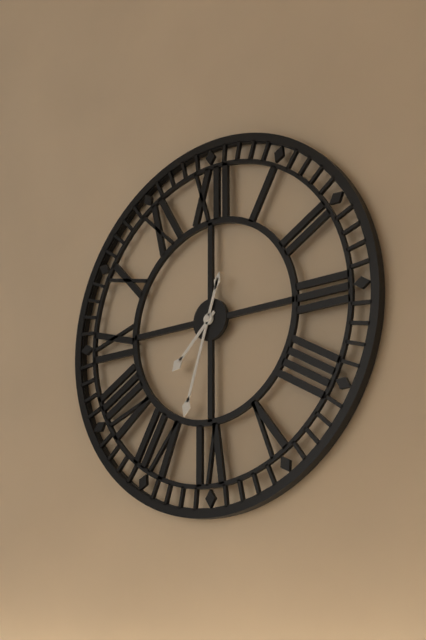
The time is {"hour": 7, "minute": 33}
